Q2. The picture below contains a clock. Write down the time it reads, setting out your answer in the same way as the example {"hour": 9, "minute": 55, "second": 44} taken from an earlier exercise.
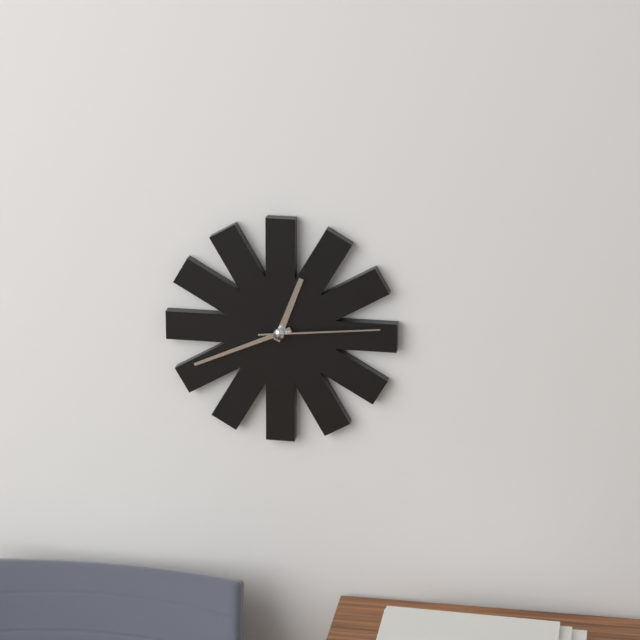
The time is {"hour": 12, "minute": 41, "second": 14}
